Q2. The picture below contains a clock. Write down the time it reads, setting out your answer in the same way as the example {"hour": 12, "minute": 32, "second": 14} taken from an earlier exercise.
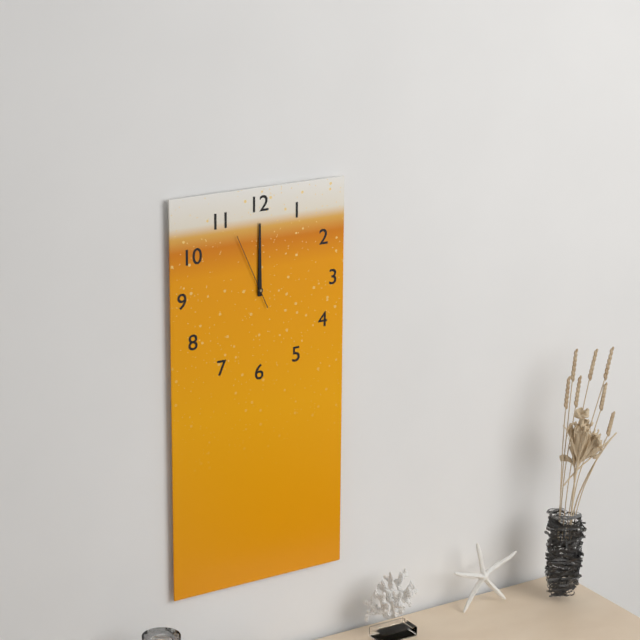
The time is {"hour": 12, "minute": 0, "second": 56}
